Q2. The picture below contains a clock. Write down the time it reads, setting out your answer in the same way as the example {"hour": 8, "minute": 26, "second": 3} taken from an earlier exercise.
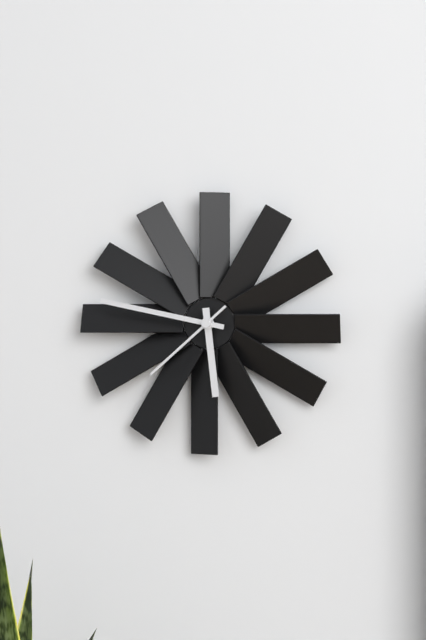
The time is {"hour": 5, "minute": 47, "second": 38}
